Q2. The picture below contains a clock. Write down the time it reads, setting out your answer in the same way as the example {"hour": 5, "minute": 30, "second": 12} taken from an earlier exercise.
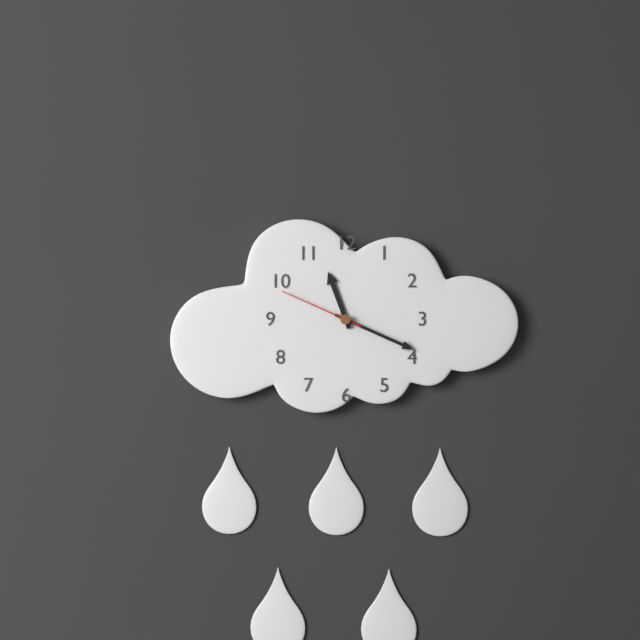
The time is {"hour": 11, "minute": 19, "second": 49}
